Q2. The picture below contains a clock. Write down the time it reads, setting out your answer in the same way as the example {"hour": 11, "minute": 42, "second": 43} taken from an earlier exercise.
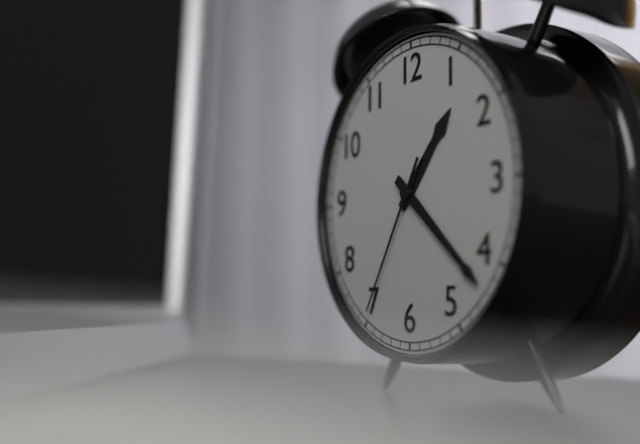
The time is {"hour": 1, "minute": 22, "second": 35}
